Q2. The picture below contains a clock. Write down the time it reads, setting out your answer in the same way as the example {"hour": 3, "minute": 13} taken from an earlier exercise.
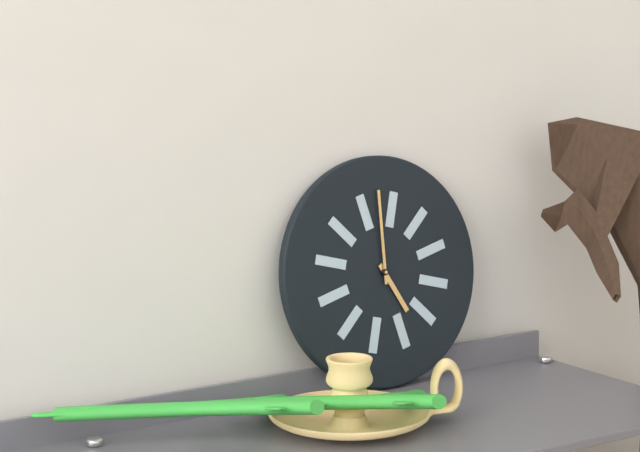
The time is {"hour": 5, "minute": 0}
